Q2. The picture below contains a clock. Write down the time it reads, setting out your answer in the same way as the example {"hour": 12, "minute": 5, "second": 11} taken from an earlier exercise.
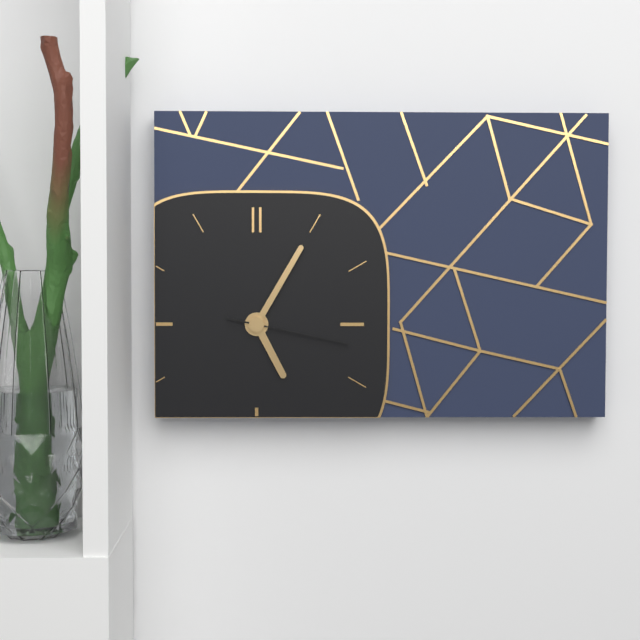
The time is {"hour": 5, "minute": 5, "second": 17}
